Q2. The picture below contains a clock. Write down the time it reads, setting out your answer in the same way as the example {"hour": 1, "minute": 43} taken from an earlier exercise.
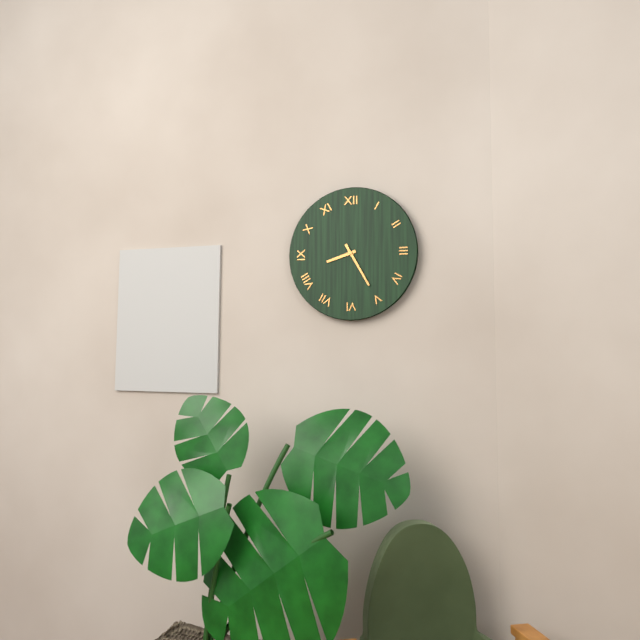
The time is {"hour": 8, "minute": 25}
